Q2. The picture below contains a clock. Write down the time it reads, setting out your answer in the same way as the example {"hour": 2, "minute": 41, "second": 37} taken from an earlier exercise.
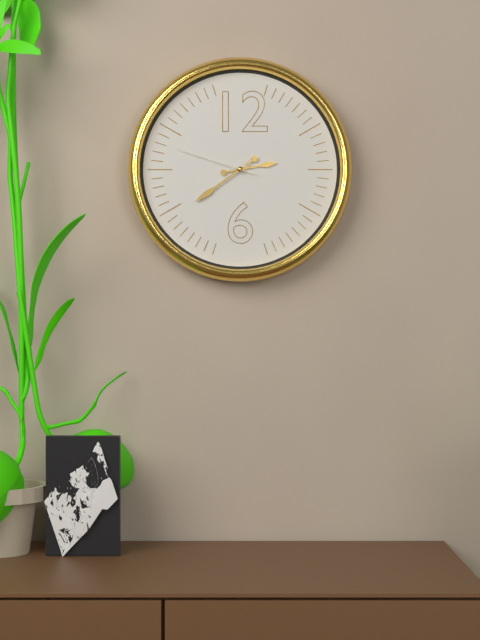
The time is {"hour": 2, "minute": 39, "second": 48}
